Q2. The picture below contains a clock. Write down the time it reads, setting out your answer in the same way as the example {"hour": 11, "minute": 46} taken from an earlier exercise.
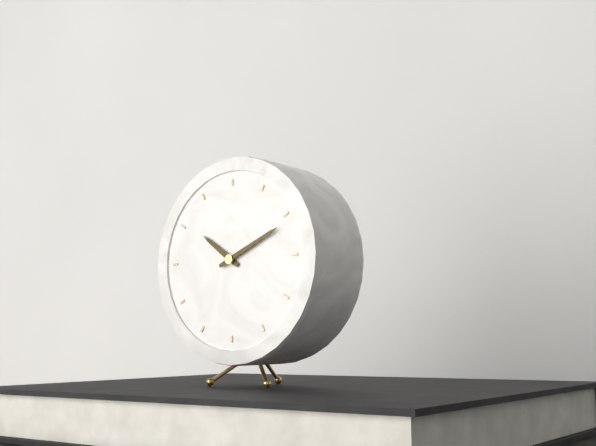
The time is {"hour": 10, "minute": 11}
